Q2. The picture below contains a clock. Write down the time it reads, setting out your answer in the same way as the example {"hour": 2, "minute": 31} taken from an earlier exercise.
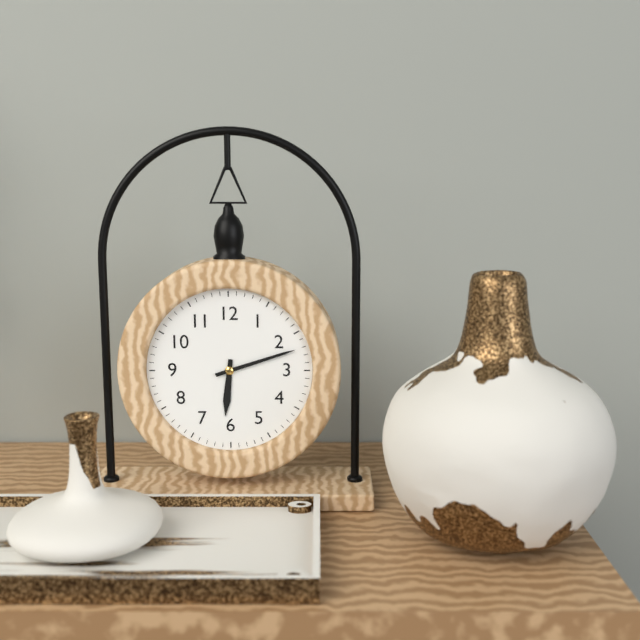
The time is {"hour": 6, "minute": 12}
